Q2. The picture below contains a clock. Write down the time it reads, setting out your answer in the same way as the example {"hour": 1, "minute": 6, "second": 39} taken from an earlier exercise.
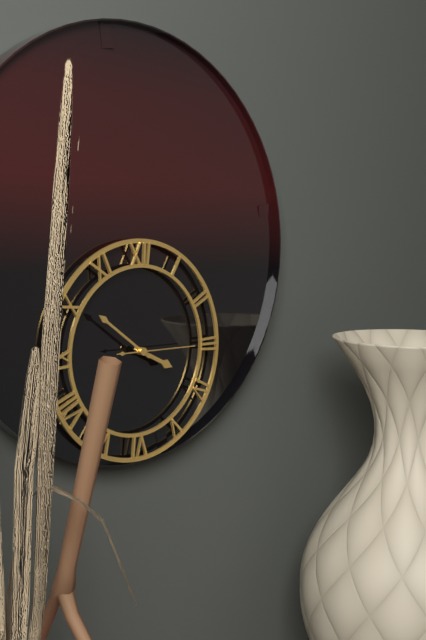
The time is {"hour": 3, "minute": 51, "second": 15}
